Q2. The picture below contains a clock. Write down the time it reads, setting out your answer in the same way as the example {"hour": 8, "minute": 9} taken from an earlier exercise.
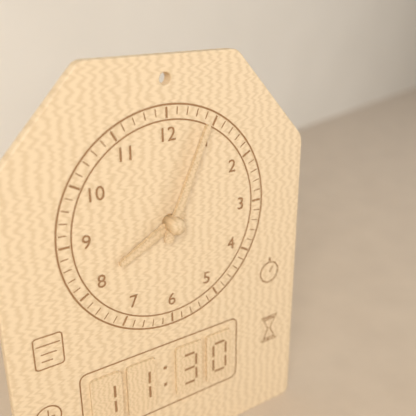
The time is {"hour": 8, "minute": 4}
